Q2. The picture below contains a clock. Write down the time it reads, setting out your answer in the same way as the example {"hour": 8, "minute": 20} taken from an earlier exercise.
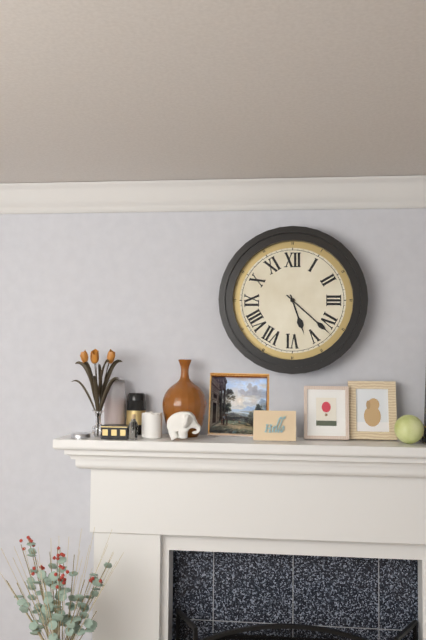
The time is {"hour": 5, "minute": 22}
